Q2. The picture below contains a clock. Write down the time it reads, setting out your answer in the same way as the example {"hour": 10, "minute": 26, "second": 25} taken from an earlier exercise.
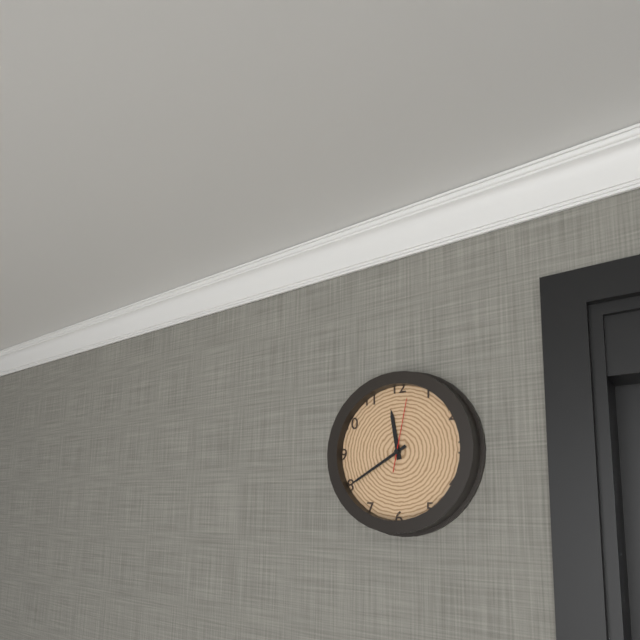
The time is {"hour": 11, "minute": 40, "second": 2}
